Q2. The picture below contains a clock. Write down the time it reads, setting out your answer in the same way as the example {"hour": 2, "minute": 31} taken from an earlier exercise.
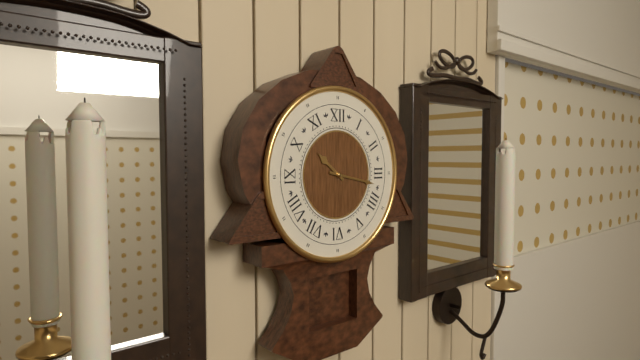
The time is {"hour": 10, "minute": 17}
